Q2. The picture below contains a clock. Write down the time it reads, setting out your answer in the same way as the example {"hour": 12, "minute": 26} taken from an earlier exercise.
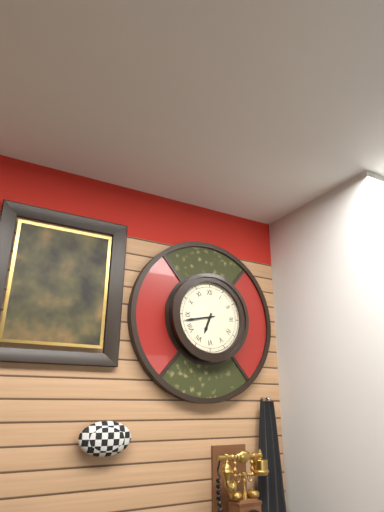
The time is {"hour": 6, "minute": 43}
